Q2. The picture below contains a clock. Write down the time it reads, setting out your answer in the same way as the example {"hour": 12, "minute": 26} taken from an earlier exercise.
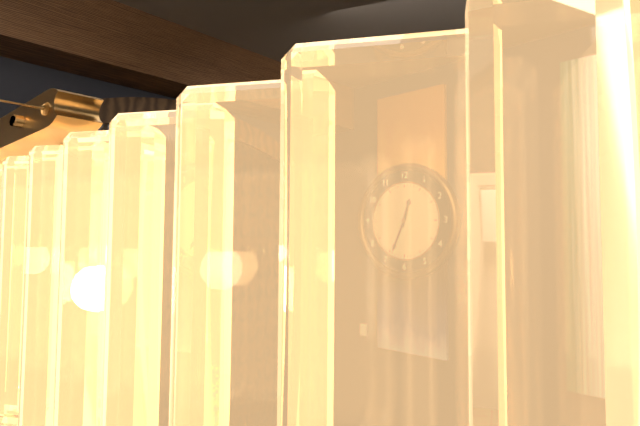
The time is {"hour": 12, "minute": 34}
